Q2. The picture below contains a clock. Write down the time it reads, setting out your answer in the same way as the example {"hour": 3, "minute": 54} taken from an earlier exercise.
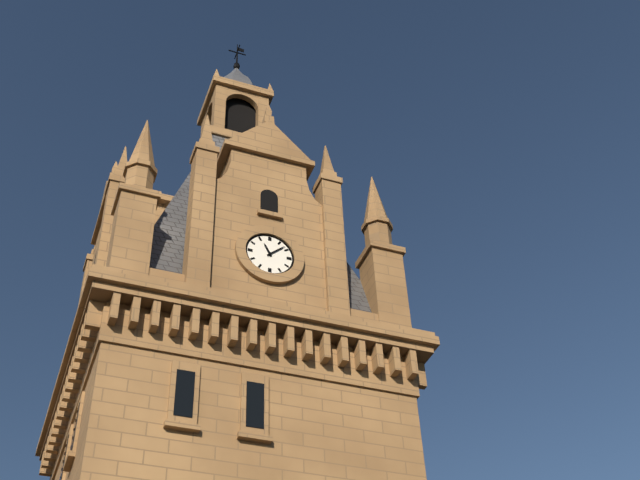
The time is {"hour": 11, "minute": 8}
